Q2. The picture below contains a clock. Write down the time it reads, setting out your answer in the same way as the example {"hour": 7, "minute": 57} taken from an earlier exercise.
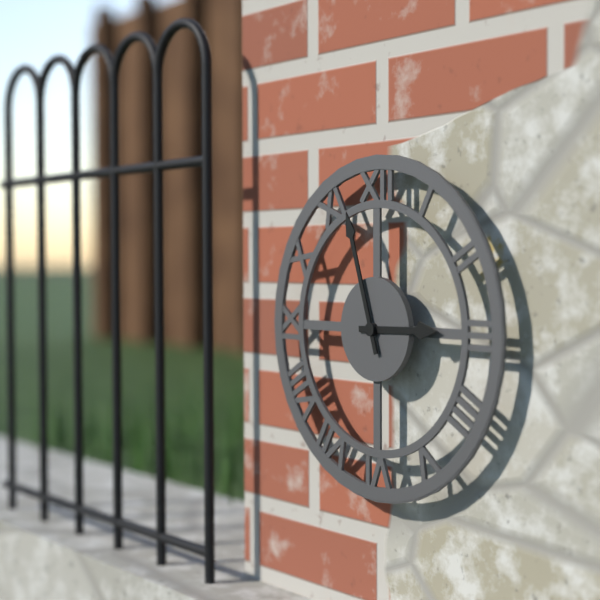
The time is {"hour": 2, "minute": 57}
